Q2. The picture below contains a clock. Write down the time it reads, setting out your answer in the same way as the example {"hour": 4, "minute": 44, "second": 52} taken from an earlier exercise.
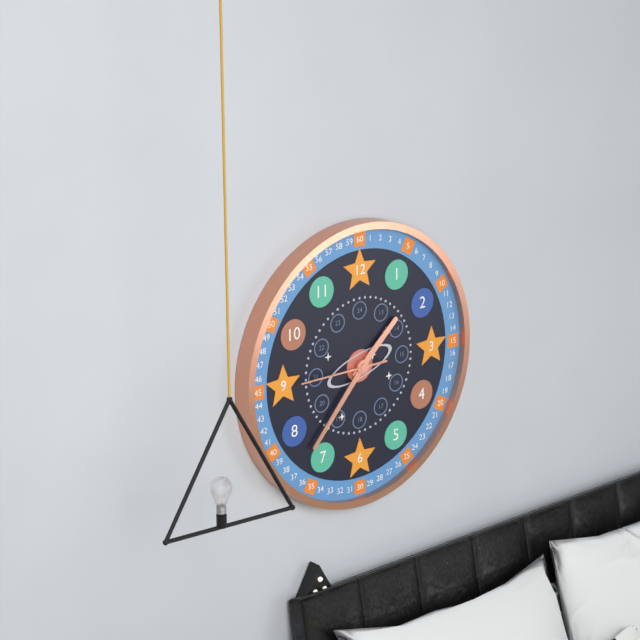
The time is {"hour": 1, "minute": 37, "second": 45}
